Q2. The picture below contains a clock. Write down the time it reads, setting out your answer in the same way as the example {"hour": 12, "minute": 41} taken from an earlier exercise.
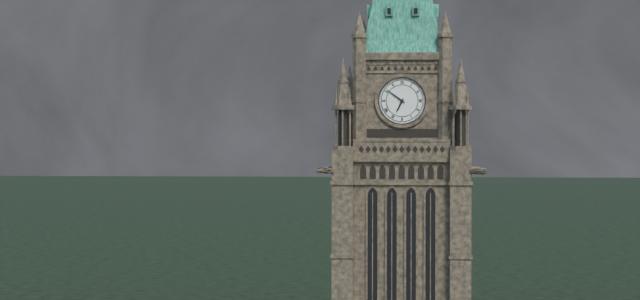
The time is {"hour": 6, "minute": 51}
